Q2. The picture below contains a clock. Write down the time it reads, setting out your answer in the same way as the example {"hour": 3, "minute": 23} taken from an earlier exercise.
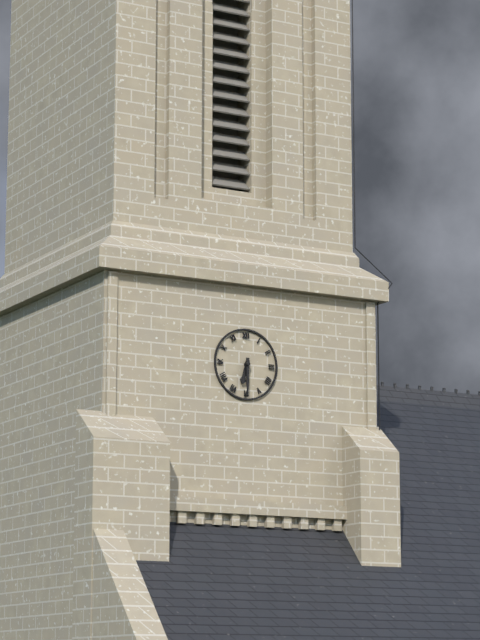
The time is {"hour": 6, "minute": 30}
